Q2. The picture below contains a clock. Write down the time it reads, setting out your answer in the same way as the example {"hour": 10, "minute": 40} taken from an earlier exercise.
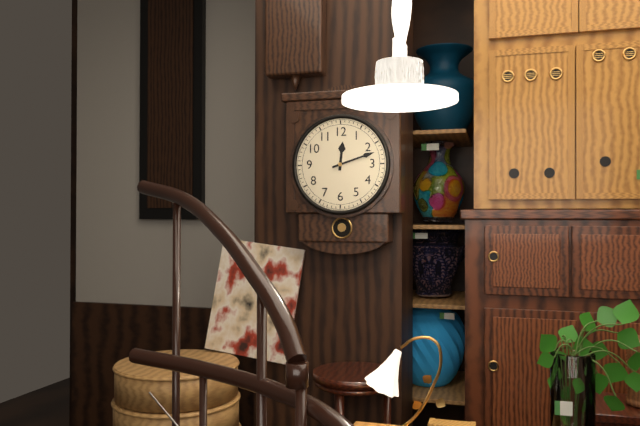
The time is {"hour": 12, "minute": 12}
